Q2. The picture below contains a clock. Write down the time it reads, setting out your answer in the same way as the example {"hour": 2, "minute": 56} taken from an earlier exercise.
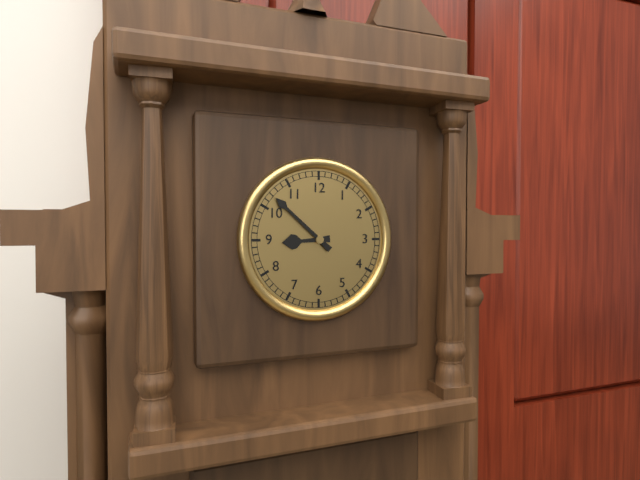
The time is {"hour": 8, "minute": 52}
